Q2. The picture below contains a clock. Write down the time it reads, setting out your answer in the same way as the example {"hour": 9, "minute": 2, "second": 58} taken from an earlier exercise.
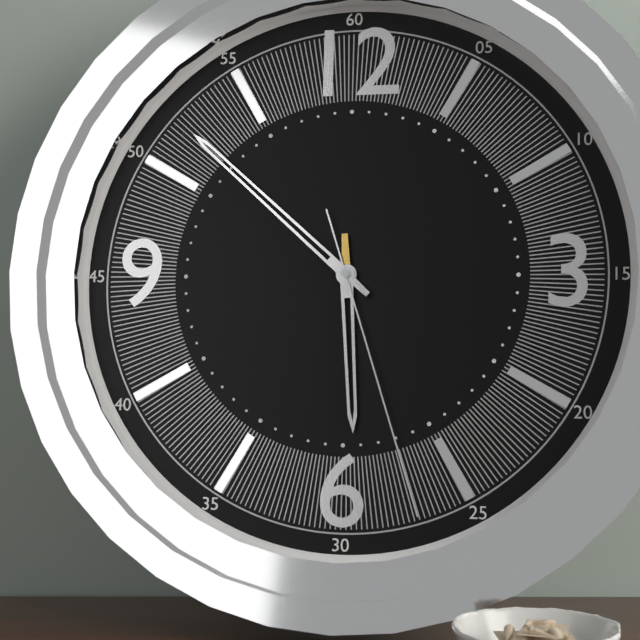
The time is {"hour": 5, "minute": 52, "second": 27}
